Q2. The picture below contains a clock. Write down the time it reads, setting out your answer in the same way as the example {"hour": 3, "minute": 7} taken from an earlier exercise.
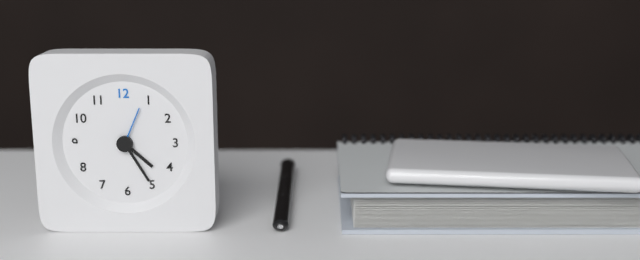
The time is {"hour": 4, "minute": 25}
